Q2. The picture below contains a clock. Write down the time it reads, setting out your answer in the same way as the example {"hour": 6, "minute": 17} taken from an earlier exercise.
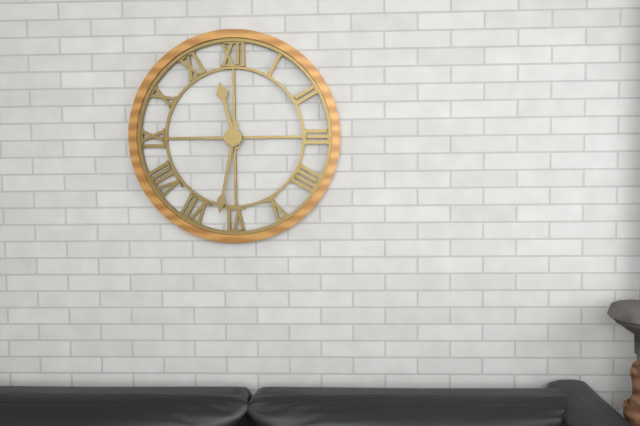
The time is {"hour": 11, "minute": 32}
